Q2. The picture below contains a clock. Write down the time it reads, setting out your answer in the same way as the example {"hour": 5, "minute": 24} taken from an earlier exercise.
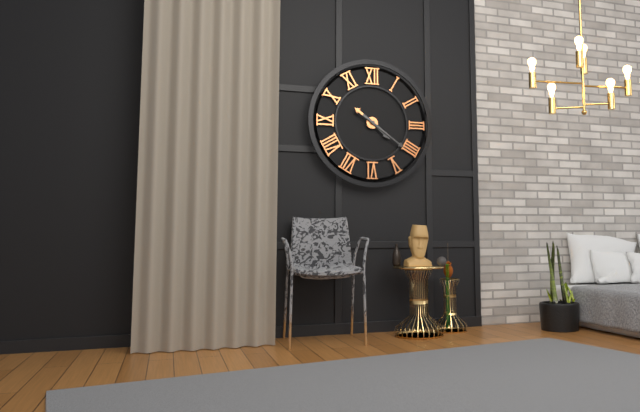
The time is {"hour": 4, "minute": 21}
